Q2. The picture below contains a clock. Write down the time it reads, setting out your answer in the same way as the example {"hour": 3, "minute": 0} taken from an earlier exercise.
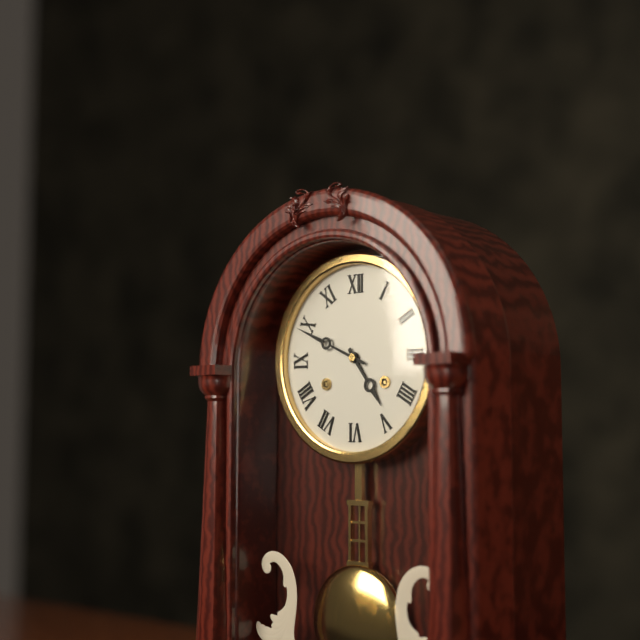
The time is {"hour": 4, "minute": 49}
